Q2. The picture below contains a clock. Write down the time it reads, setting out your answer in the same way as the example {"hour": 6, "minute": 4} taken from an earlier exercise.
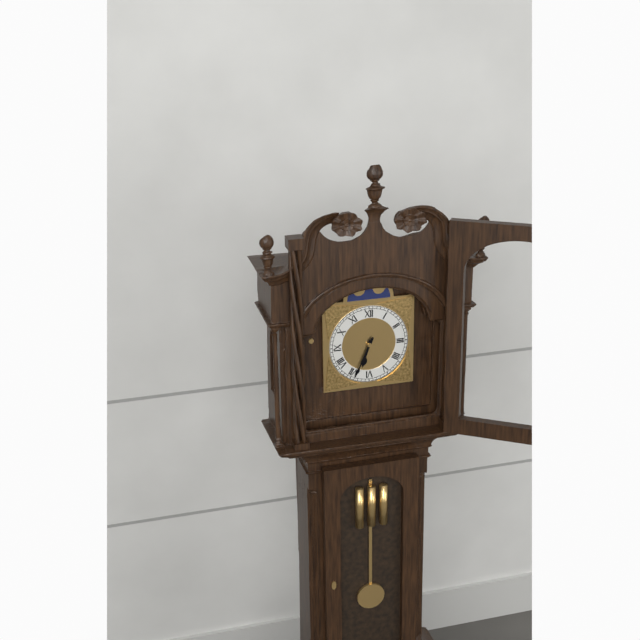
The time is {"hour": 6, "minute": 34}
